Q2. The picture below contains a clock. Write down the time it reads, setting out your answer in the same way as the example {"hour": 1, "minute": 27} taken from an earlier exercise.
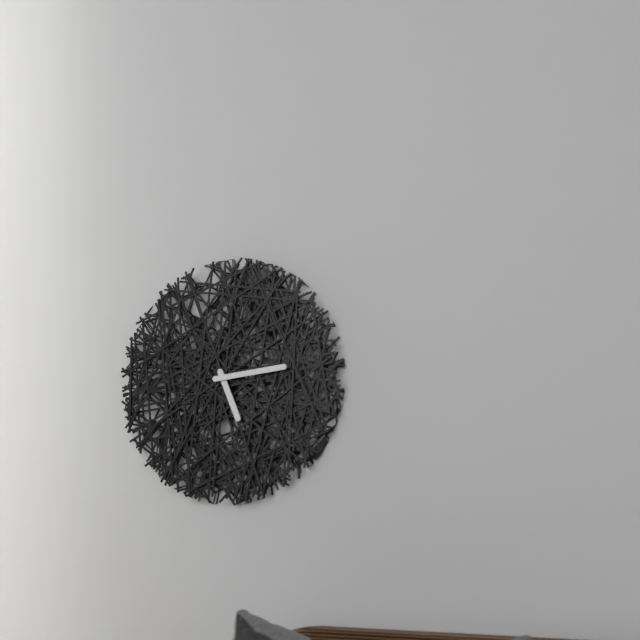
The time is {"hour": 5, "minute": 14}
